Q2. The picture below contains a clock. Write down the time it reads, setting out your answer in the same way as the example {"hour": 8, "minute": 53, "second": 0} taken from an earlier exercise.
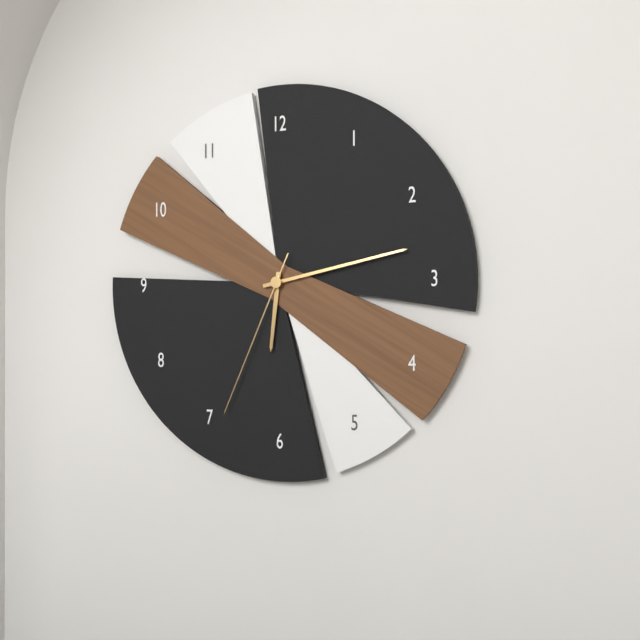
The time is {"hour": 6, "minute": 13, "second": 34}
